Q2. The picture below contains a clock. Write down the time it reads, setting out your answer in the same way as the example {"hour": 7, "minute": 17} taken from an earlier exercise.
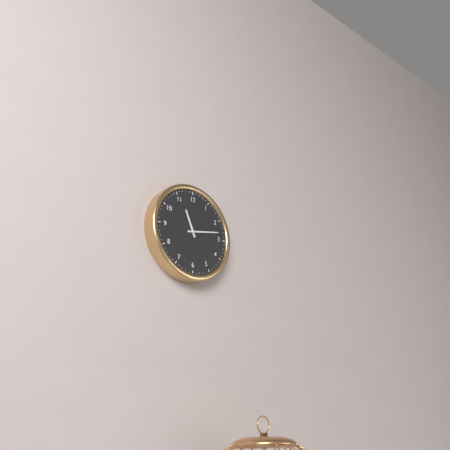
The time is {"hour": 11, "minute": 13}
